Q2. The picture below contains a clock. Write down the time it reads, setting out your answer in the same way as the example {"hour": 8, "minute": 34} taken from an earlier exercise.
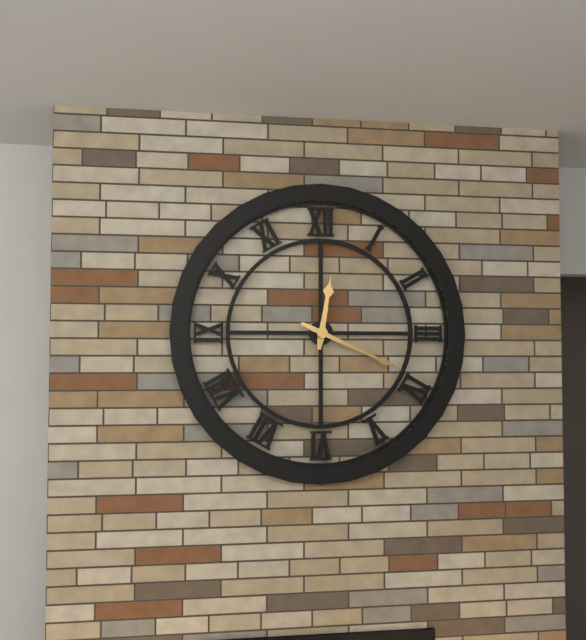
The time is {"hour": 12, "minute": 19}
